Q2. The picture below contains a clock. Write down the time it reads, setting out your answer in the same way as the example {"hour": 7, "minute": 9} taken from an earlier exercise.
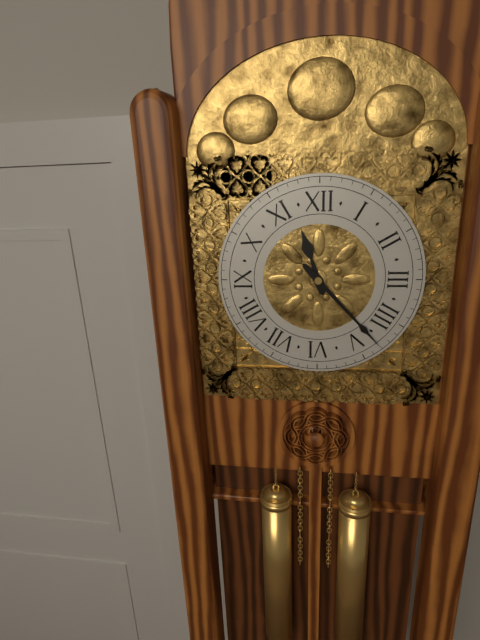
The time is {"hour": 11, "minute": 23}
